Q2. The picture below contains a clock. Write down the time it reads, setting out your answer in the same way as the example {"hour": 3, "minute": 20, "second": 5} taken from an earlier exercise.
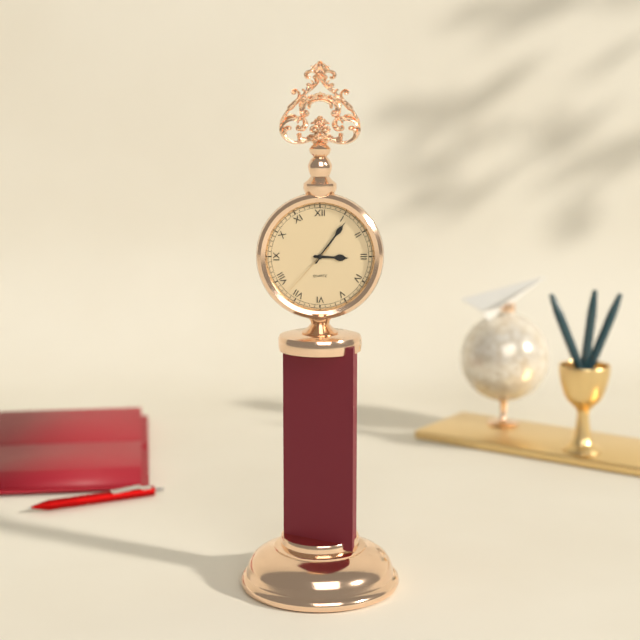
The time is {"hour": 3, "minute": 6, "second": 37}
